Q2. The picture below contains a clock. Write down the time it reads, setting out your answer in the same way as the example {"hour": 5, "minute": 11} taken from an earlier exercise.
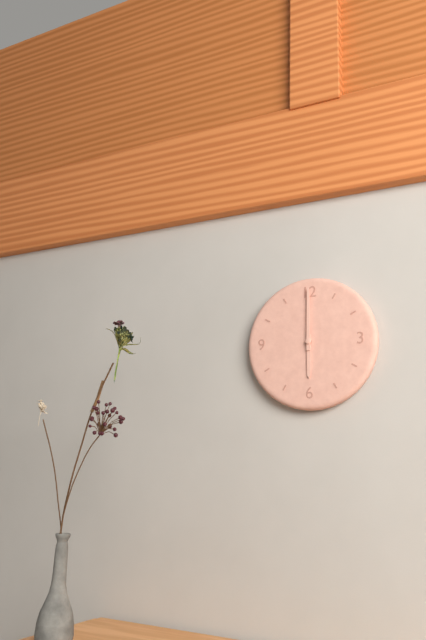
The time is {"hour": 6, "minute": 0}
